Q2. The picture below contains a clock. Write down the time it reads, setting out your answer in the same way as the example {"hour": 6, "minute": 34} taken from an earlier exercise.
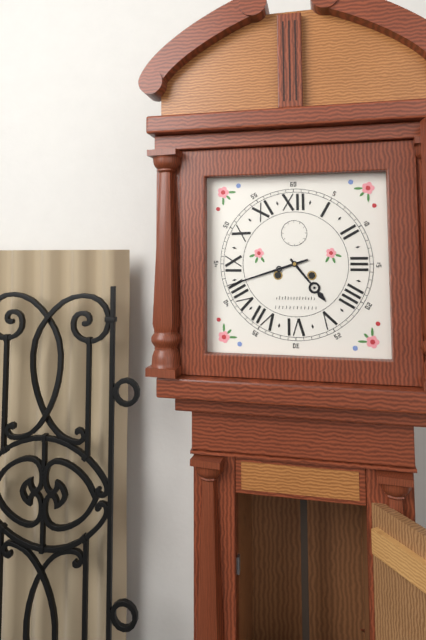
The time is {"hour": 4, "minute": 42}
